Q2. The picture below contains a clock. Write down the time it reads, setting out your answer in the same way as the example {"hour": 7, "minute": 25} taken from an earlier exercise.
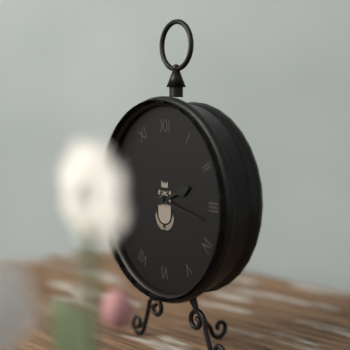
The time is {"hour": 2, "minute": 17}
